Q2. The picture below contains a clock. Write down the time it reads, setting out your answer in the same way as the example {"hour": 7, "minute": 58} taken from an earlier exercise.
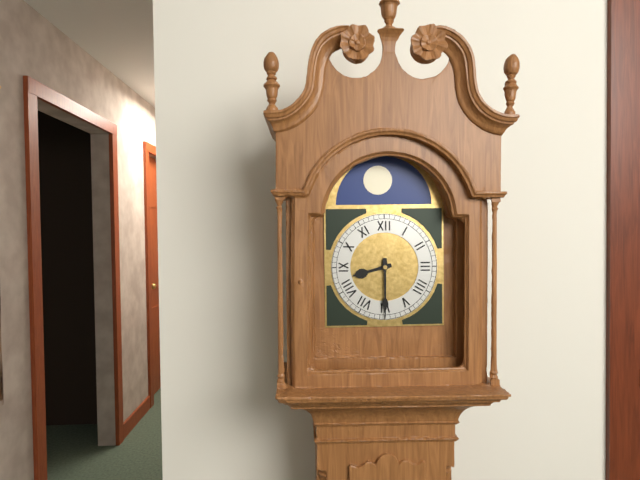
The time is {"hour": 8, "minute": 30}
